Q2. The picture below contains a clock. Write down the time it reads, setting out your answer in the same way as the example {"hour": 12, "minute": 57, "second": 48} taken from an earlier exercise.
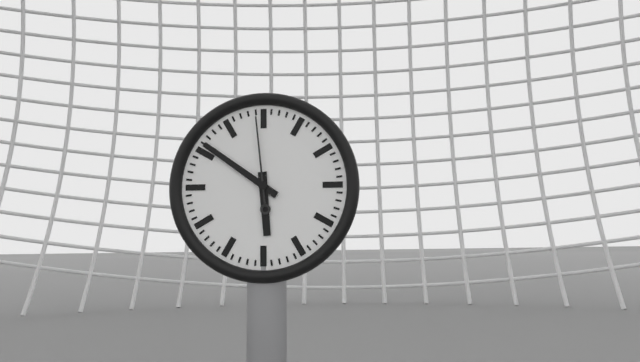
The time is {"hour": 5, "minute": 51, "second": 59}
